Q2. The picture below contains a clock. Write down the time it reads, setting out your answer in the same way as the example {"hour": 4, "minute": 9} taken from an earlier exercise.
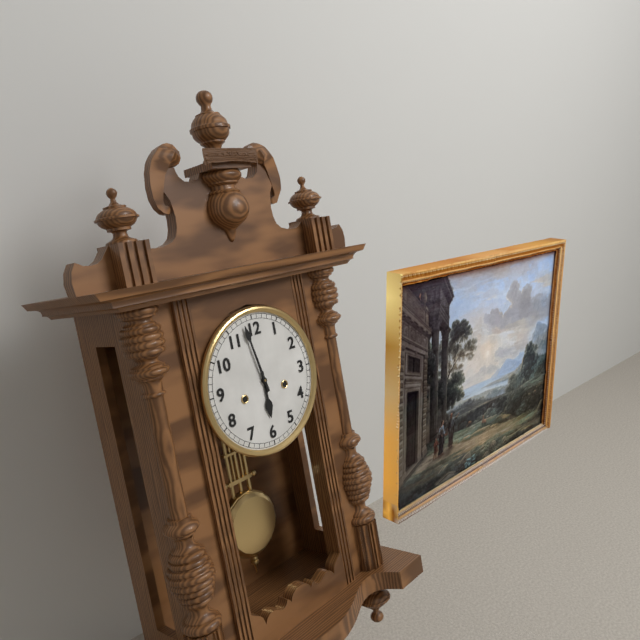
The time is {"hour": 5, "minute": 58}
